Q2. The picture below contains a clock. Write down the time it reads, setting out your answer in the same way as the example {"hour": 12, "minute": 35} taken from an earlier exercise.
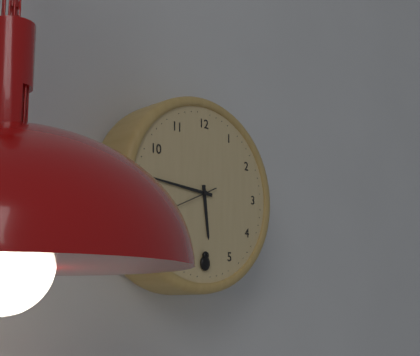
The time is {"hour": 5, "minute": 46}
